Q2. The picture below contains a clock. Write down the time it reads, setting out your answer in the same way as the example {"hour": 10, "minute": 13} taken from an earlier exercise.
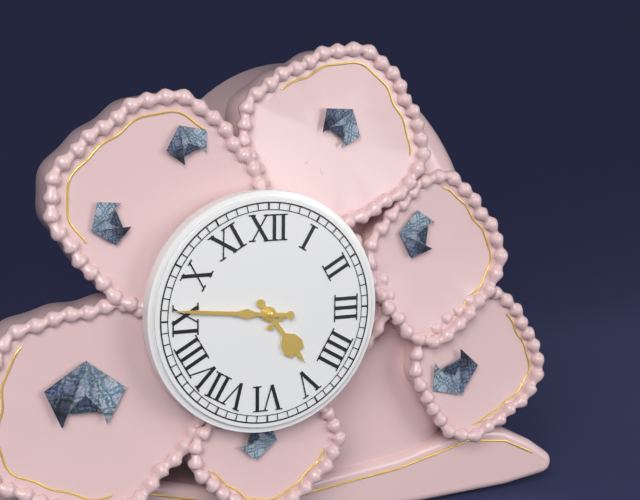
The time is {"hour": 4, "minute": 46}
